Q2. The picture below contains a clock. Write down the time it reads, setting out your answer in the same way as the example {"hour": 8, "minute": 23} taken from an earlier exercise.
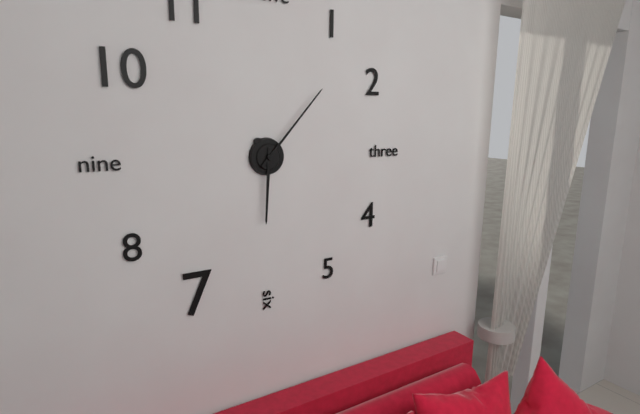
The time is {"hour": 6, "minute": 7}
